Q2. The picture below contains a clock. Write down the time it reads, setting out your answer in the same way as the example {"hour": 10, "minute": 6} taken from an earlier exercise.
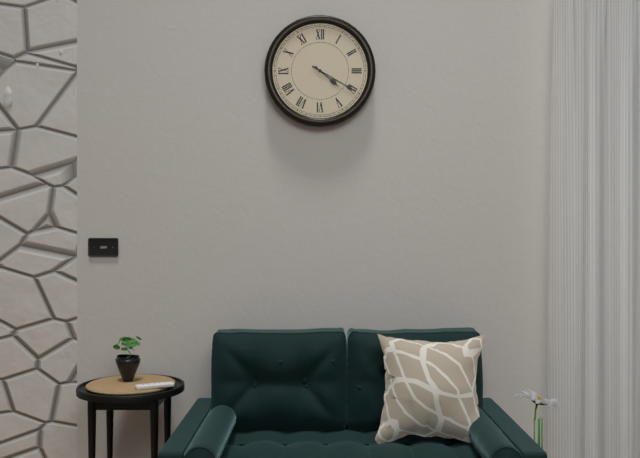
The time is {"hour": 4, "minute": 20}
